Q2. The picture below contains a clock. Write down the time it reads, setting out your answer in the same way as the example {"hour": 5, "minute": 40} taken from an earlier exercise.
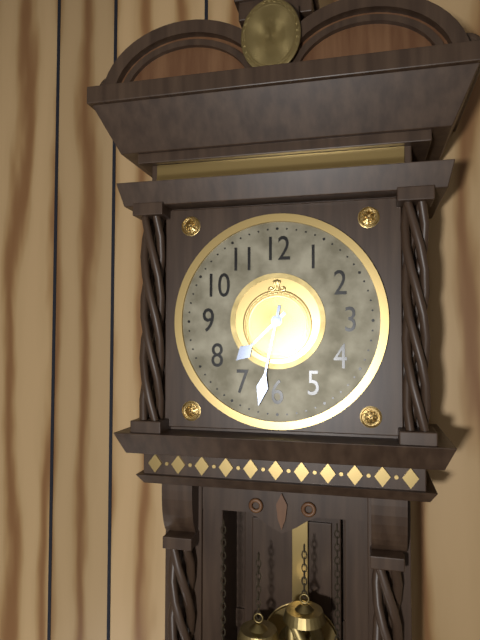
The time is {"hour": 7, "minute": 32}
